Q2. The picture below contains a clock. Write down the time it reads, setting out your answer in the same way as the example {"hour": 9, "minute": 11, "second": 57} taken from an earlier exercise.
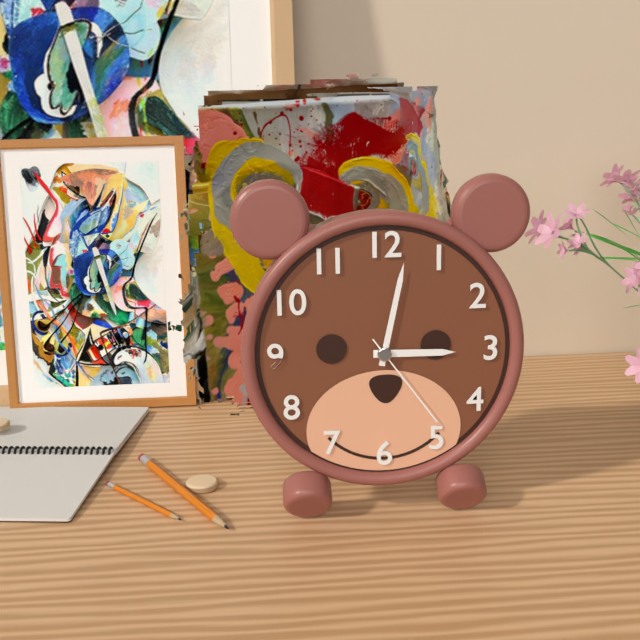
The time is {"hour": 3, "minute": 2, "second": 24}
